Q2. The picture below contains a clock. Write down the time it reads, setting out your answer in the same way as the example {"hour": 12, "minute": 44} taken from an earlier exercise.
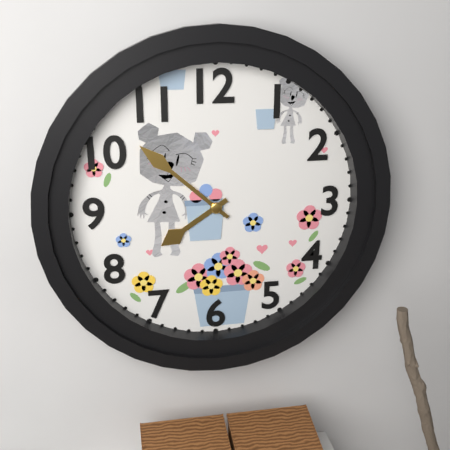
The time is {"hour": 7, "minute": 52}
